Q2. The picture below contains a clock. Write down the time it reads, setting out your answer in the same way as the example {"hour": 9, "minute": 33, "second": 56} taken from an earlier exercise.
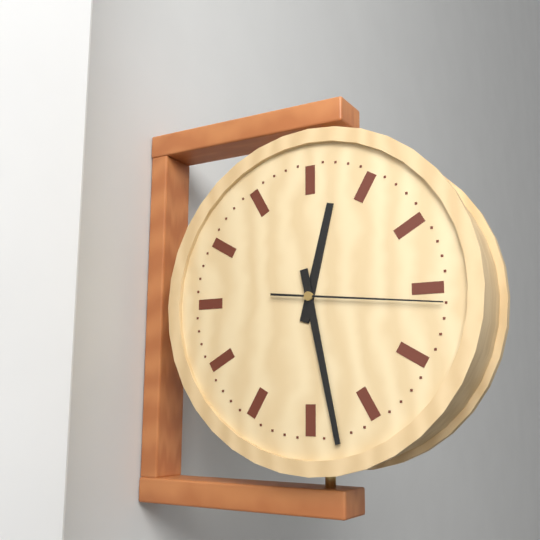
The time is {"hour": 12, "minute": 28, "second": 16}
